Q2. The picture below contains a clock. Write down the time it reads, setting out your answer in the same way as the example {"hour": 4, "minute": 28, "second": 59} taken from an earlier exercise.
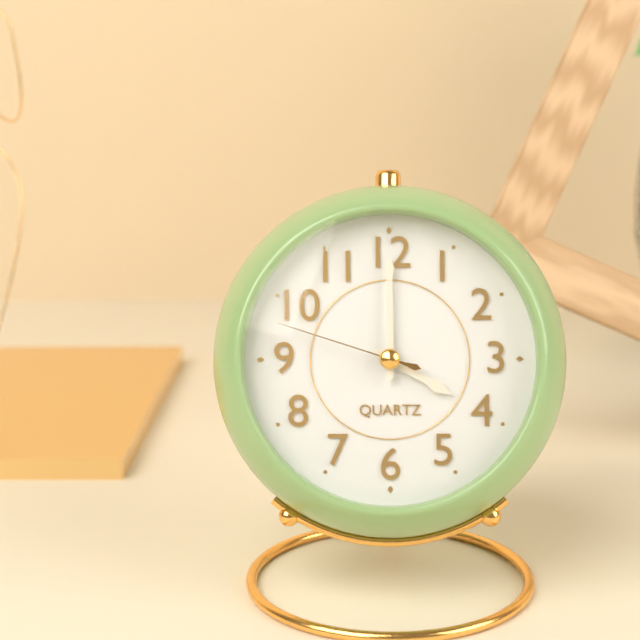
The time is {"hour": 4, "minute": 0, "second": 48}
